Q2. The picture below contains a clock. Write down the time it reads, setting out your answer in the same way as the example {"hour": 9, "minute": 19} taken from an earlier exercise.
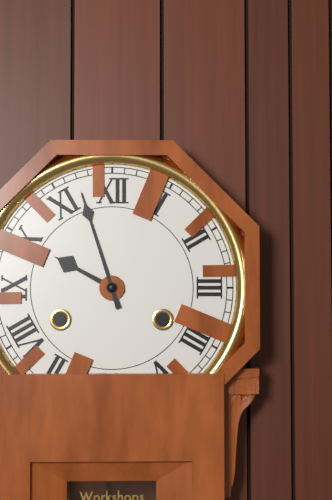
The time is {"hour": 9, "minute": 57}
